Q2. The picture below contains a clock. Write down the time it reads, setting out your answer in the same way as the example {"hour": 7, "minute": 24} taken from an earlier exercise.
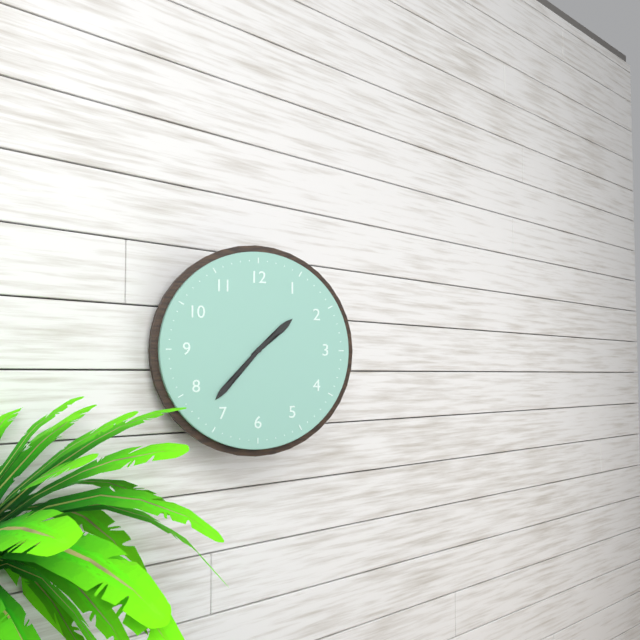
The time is {"hour": 1, "minute": 37}
